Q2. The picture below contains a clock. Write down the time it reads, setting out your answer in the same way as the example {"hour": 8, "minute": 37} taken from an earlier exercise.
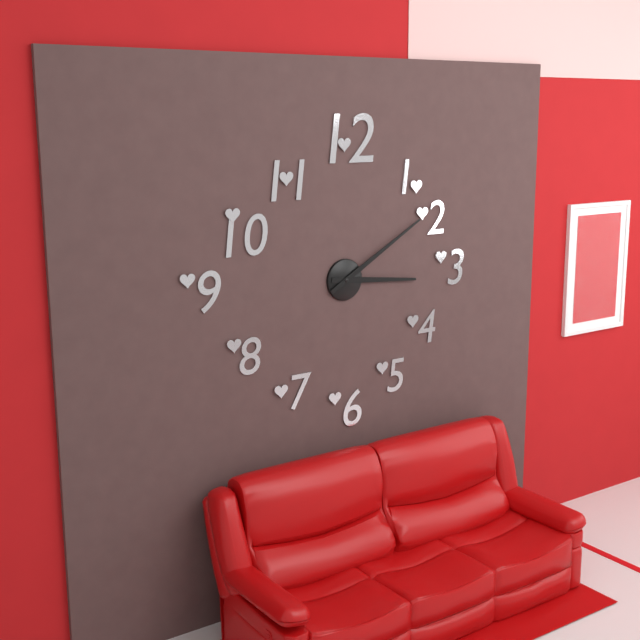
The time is {"hour": 3, "minute": 10}
